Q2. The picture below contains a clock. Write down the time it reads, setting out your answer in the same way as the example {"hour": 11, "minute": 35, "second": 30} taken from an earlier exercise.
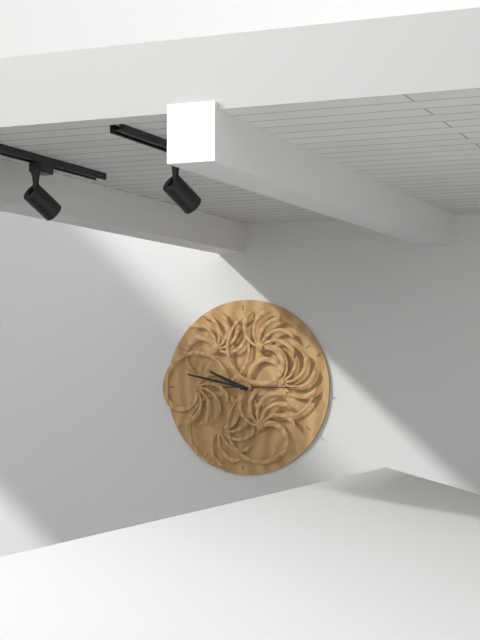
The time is {"hour": 9, "minute": 47, "second": 15}
